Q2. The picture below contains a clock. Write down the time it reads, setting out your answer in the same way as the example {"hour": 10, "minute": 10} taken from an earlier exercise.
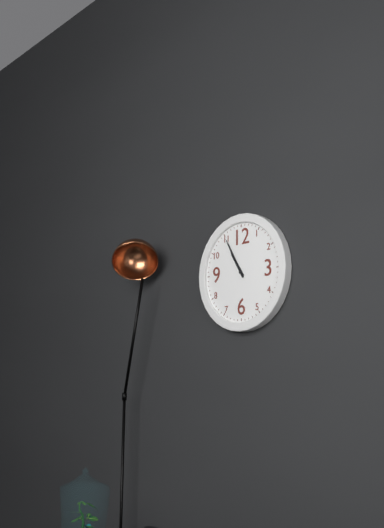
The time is {"hour": 10, "minute": 55}
